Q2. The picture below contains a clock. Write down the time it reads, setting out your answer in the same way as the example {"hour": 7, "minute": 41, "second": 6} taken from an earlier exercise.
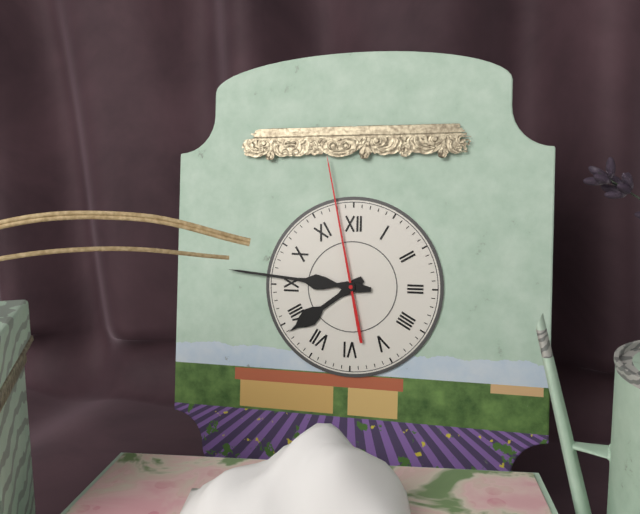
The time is {"hour": 7, "minute": 46, "second": 58}
